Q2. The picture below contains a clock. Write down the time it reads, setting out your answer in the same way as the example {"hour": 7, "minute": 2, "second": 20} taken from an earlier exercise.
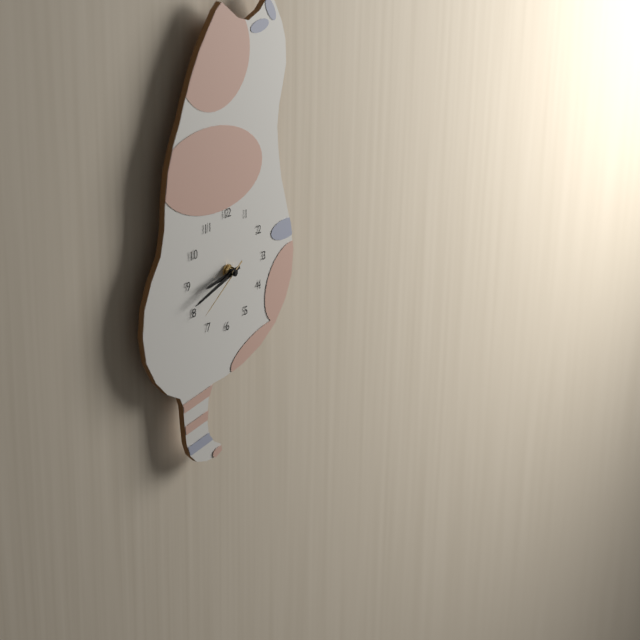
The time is {"hour": 8, "minute": 42, "second": 39}
